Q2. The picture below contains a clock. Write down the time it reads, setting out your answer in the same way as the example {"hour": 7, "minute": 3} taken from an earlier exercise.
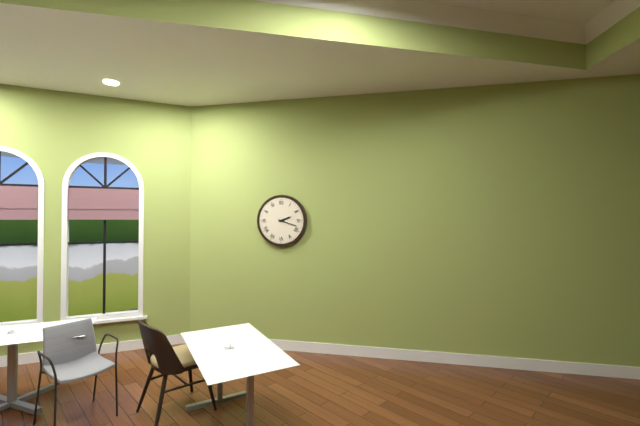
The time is {"hour": 2, "minute": 18}
